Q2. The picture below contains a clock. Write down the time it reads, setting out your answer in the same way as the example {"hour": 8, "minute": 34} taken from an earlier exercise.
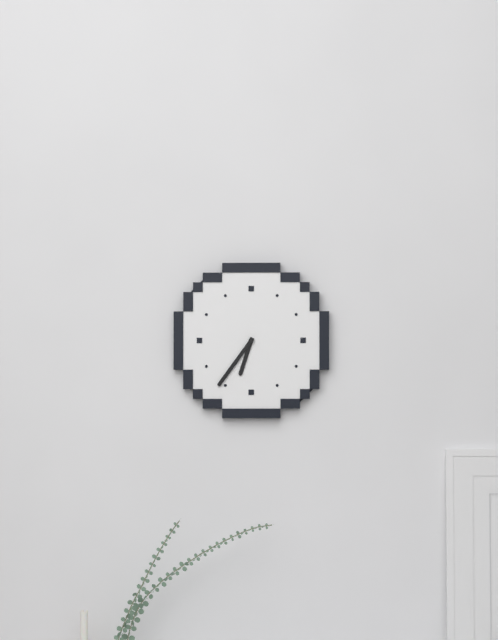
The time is {"hour": 6, "minute": 36}
